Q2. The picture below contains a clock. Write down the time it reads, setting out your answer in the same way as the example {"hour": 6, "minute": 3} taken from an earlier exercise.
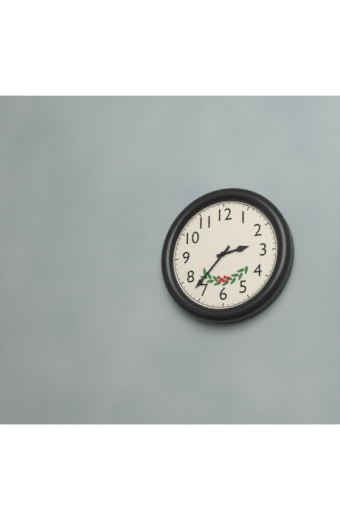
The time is {"hour": 2, "minute": 37}
